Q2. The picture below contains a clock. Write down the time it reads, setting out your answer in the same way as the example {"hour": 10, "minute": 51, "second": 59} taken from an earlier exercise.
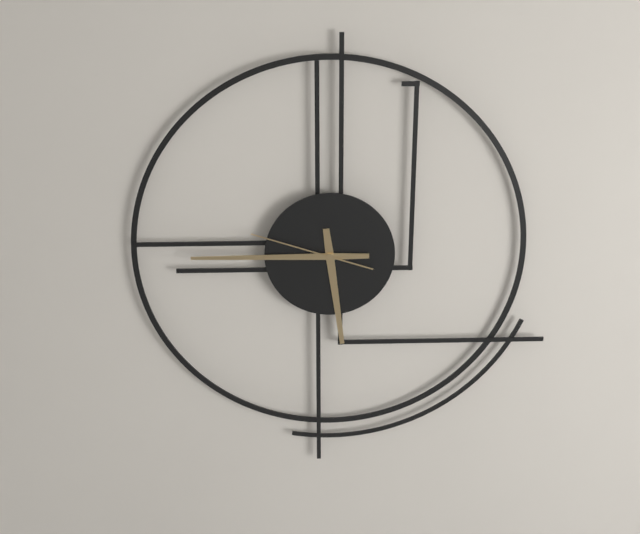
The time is {"hour": 5, "minute": 45, "second": 48}
